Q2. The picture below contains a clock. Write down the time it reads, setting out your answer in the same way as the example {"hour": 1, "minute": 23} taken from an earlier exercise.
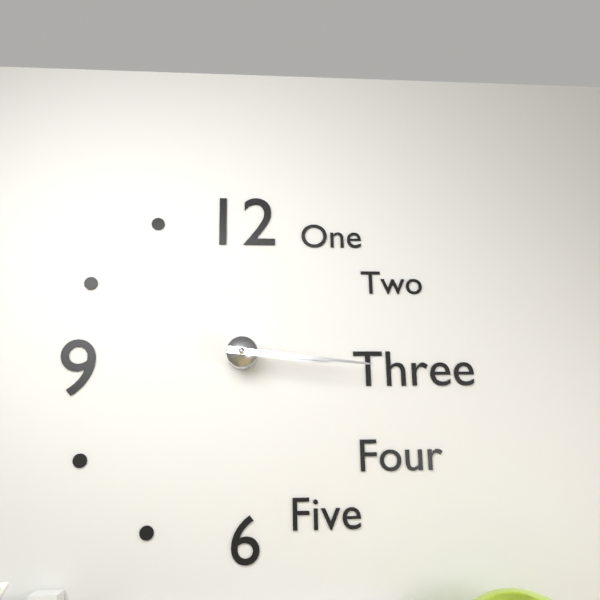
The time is {"hour": 3, "minute": 16}
